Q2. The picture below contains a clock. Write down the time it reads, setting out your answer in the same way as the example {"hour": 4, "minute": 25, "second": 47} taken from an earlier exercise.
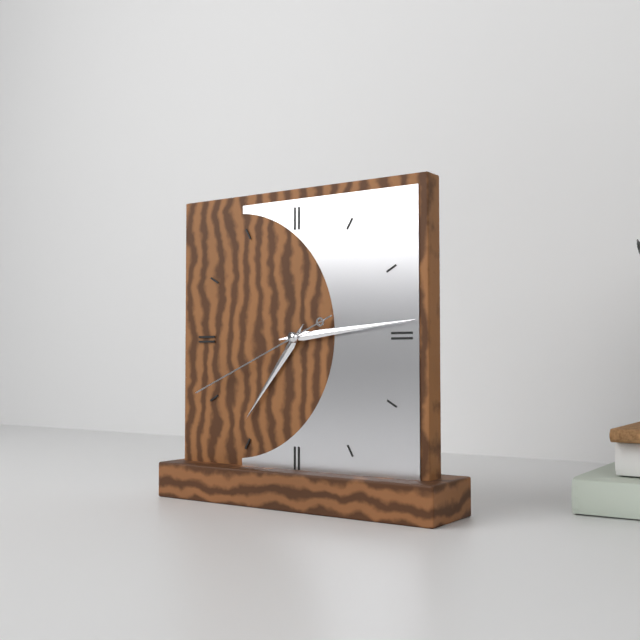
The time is {"hour": 7, "minute": 14, "second": 41}
